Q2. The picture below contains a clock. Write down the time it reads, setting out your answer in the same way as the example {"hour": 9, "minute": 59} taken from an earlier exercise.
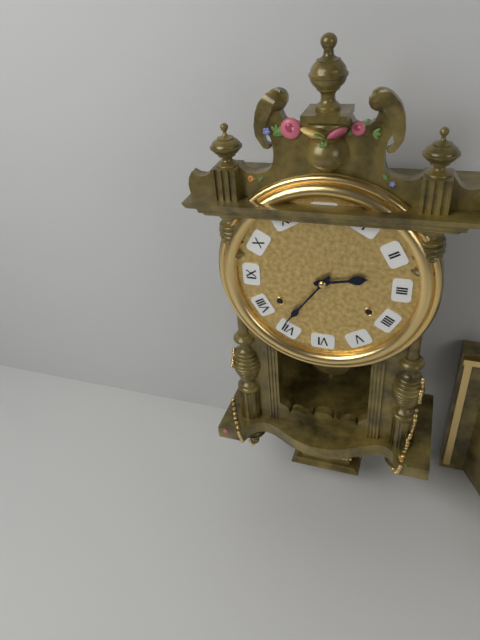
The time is {"hour": 2, "minute": 36}
